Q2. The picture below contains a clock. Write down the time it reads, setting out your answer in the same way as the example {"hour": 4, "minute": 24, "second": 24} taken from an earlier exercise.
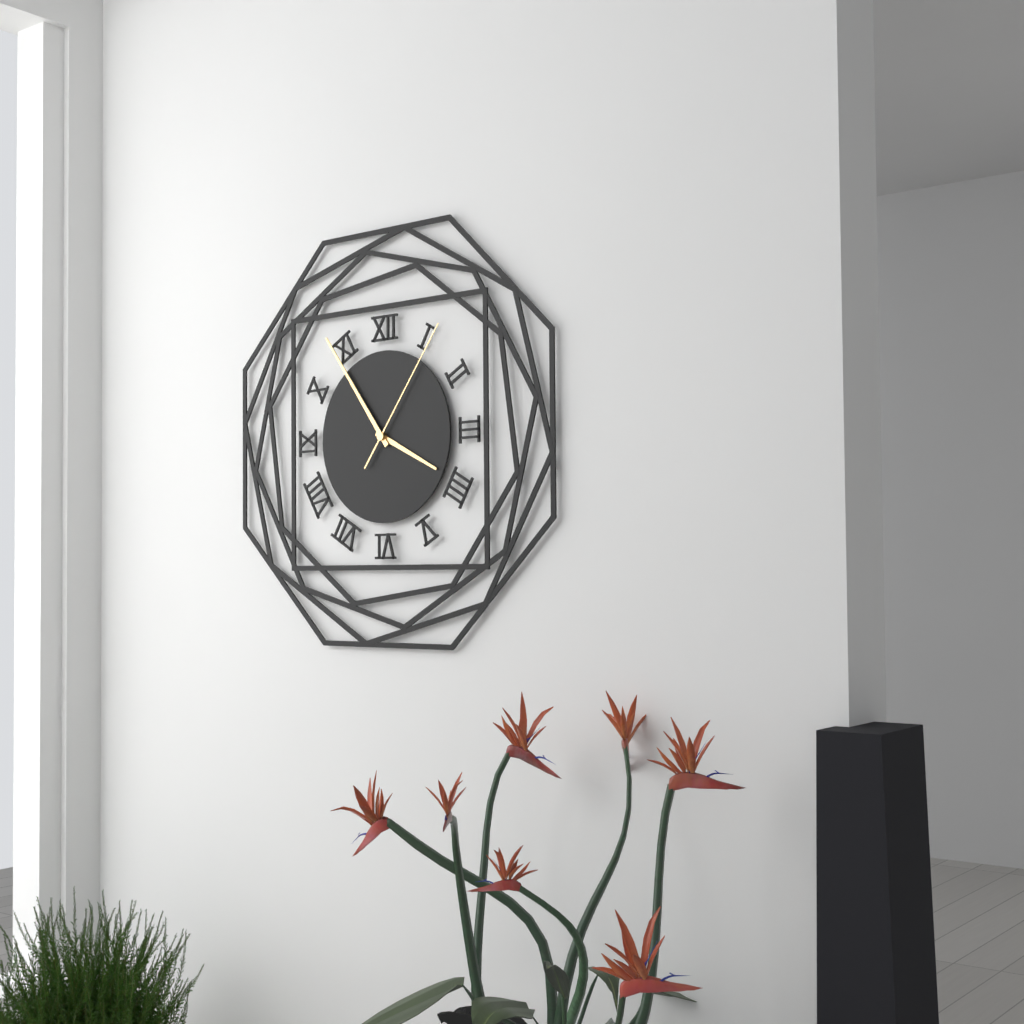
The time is {"hour": 3, "minute": 54, "second": 6}
